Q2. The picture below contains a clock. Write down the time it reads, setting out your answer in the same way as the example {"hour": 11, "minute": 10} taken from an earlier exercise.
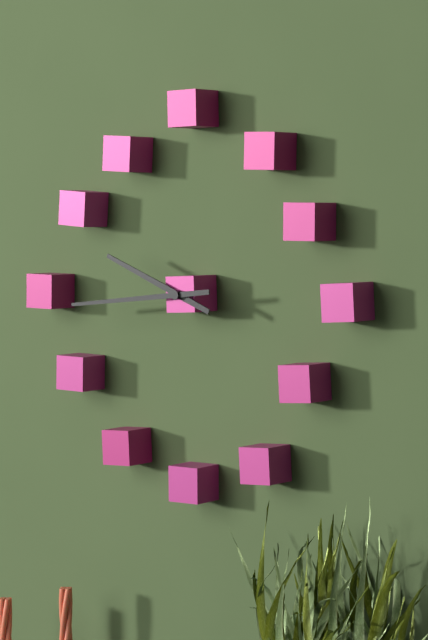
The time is {"hour": 9, "minute": 44}
